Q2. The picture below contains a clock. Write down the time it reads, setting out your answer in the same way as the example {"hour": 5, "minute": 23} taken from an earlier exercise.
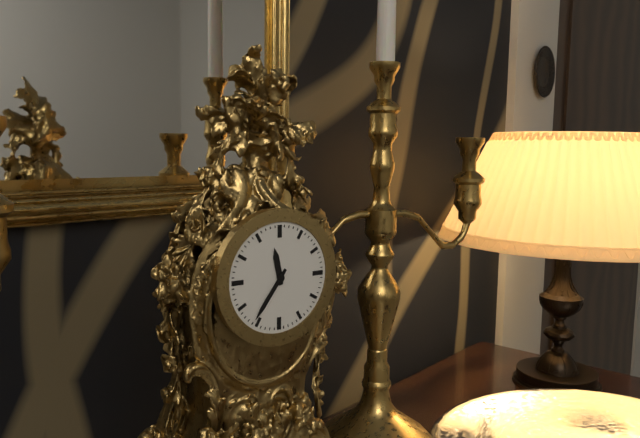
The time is {"hour": 11, "minute": 36}
